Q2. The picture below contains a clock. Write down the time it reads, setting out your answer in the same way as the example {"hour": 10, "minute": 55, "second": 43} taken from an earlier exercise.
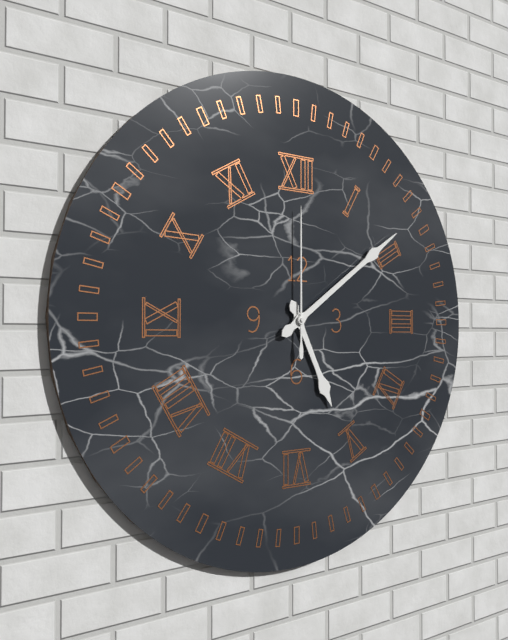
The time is {"hour": 5, "minute": 9, "second": 0}
